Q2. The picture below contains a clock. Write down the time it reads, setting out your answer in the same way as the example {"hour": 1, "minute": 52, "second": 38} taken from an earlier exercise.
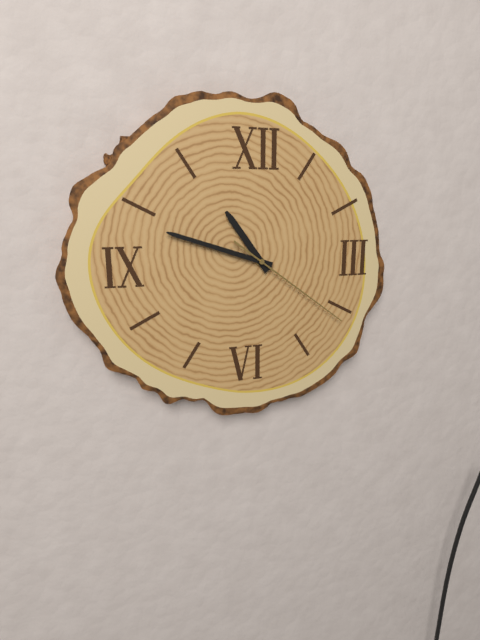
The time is {"hour": 10, "minute": 48, "second": 21}
